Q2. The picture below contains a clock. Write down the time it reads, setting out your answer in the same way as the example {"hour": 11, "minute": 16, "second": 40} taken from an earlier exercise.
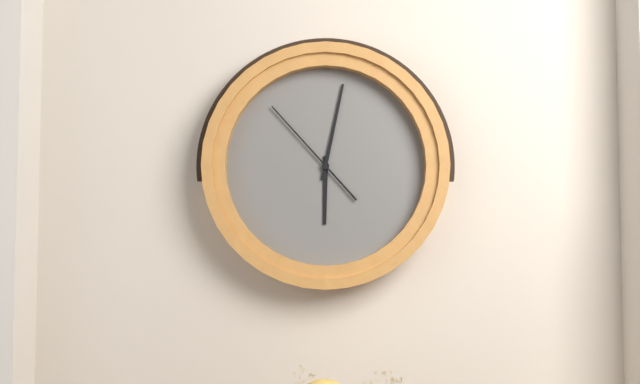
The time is {"hour": 6, "minute": 2, "second": 53}
